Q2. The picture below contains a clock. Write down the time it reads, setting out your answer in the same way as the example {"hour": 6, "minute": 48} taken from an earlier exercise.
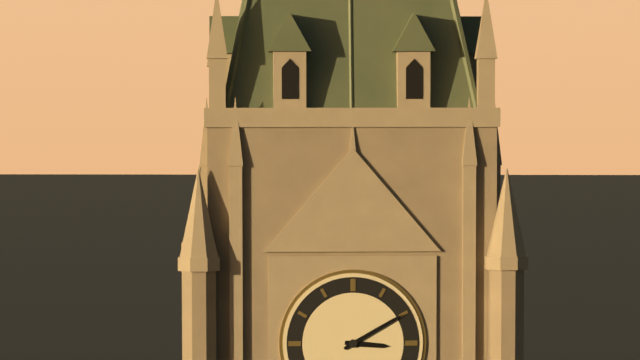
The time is {"hour": 3, "minute": 10}
